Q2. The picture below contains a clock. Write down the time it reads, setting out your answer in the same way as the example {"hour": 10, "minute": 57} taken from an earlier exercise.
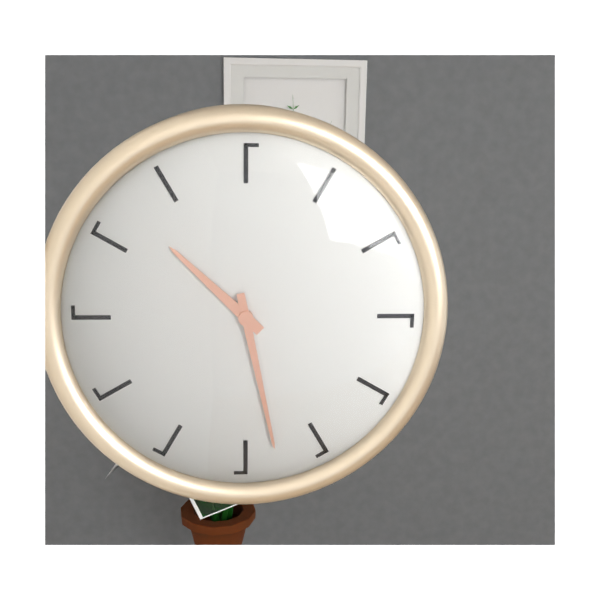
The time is {"hour": 10, "minute": 28}
